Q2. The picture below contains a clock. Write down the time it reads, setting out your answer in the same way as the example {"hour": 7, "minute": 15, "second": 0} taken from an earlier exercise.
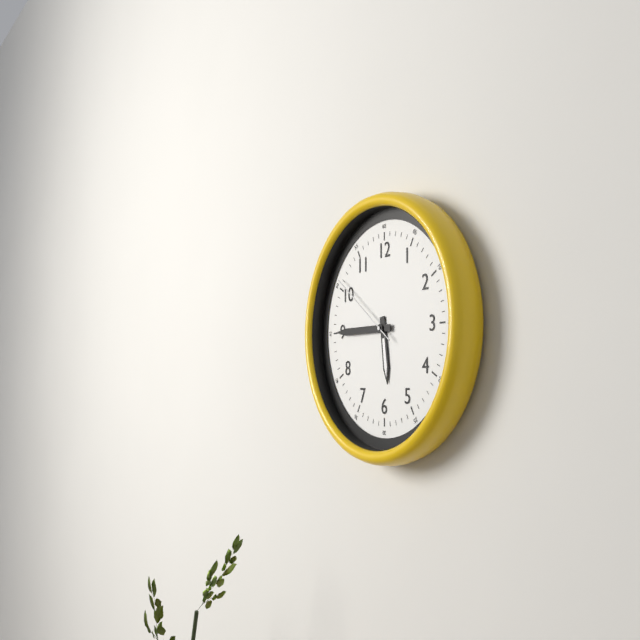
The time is {"hour": 5, "minute": 45, "second": 51}
